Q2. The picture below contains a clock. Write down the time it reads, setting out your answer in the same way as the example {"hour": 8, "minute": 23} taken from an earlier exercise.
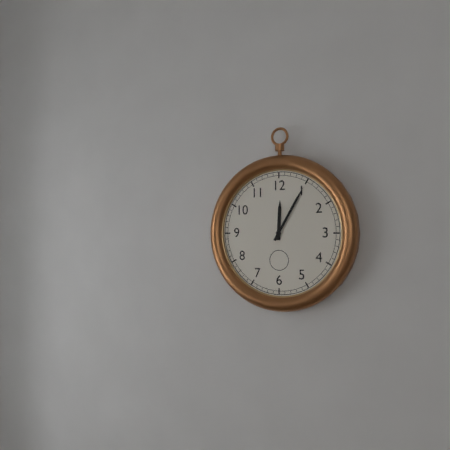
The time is {"hour": 12, "minute": 5}
